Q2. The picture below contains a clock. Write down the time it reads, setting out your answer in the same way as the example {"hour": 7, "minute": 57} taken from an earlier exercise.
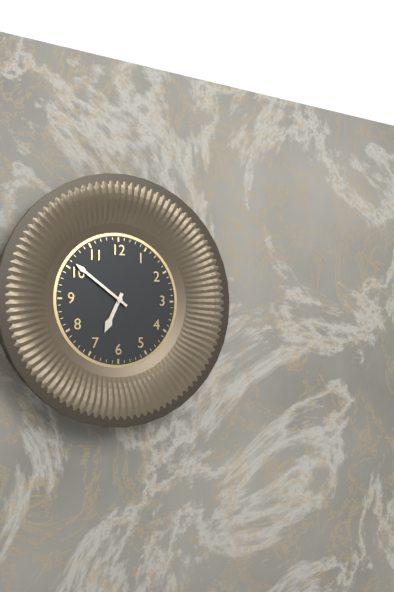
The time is {"hour": 6, "minute": 51}
